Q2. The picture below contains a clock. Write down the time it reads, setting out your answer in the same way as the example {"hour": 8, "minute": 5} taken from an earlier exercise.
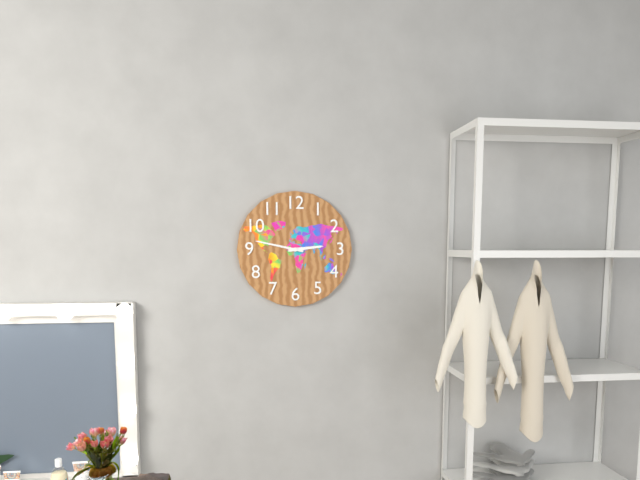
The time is {"hour": 2, "minute": 47}
